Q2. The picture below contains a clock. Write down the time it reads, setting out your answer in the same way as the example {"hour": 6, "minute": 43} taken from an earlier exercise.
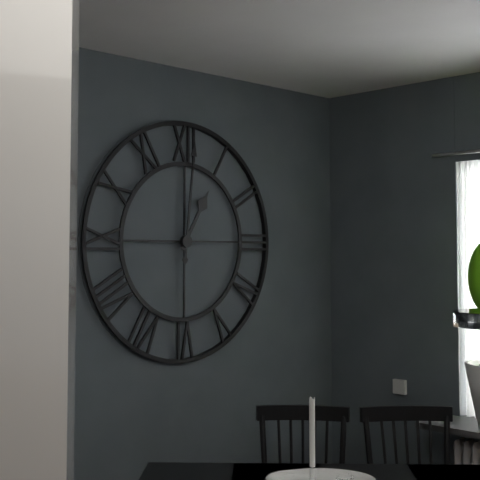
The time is {"hour": 1, "minute": 1}
